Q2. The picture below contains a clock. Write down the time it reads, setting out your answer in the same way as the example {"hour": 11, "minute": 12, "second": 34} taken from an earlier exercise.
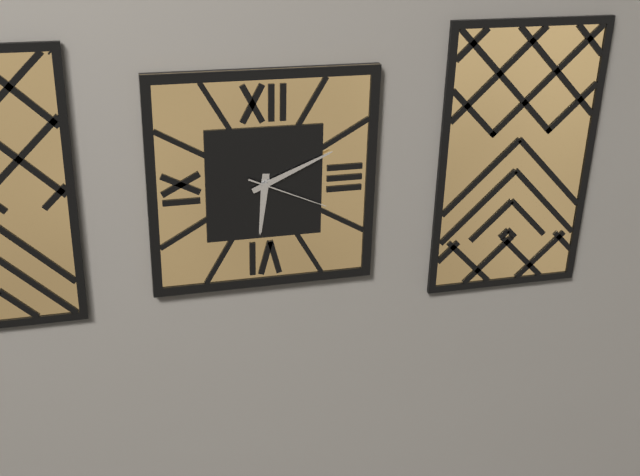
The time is {"hour": 6, "minute": 11, "second": 19}
